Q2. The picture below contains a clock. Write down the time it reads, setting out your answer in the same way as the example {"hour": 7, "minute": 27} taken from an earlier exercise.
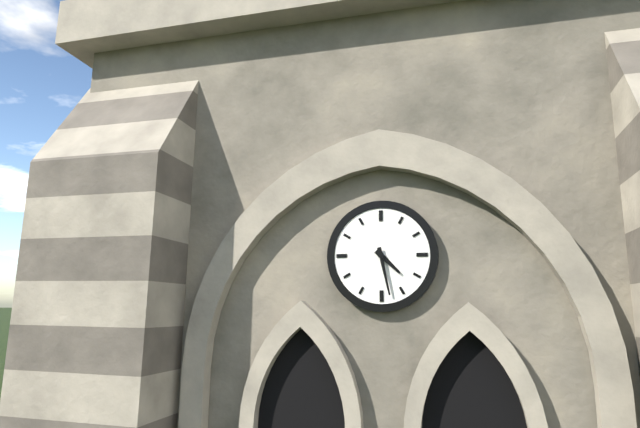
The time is {"hour": 4, "minute": 28}
